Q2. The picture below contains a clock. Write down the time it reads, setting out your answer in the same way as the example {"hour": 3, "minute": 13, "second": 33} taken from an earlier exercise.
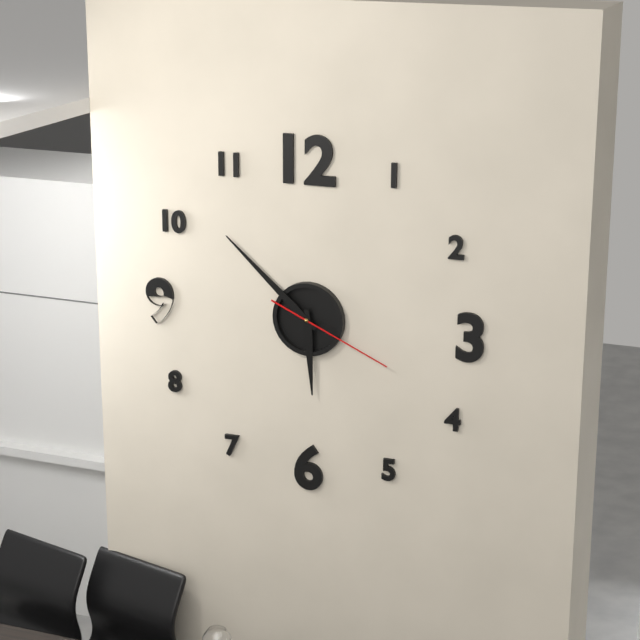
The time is {"hour": 5, "minute": 52, "second": 19}
